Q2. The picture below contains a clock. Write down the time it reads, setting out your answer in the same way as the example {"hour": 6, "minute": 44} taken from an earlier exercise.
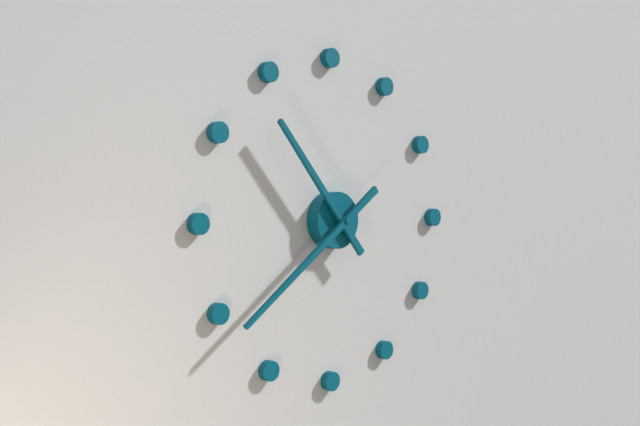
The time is {"hour": 10, "minute": 39}
